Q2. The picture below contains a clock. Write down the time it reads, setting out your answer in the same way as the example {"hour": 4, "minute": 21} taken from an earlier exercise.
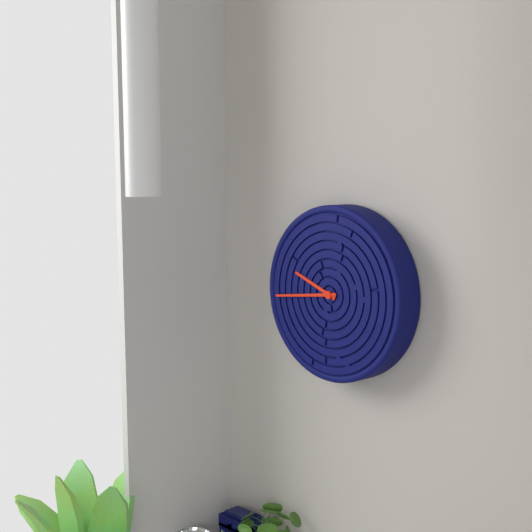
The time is {"hour": 9, "minute": 44}
